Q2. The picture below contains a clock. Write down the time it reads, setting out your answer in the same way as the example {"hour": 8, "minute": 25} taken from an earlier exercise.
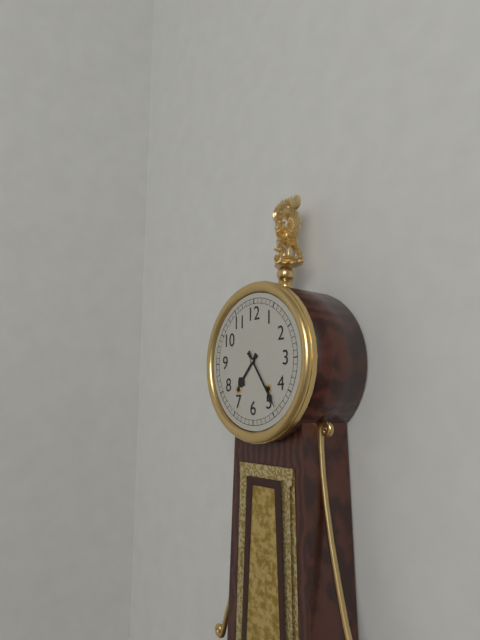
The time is {"hour": 7, "minute": 24}
